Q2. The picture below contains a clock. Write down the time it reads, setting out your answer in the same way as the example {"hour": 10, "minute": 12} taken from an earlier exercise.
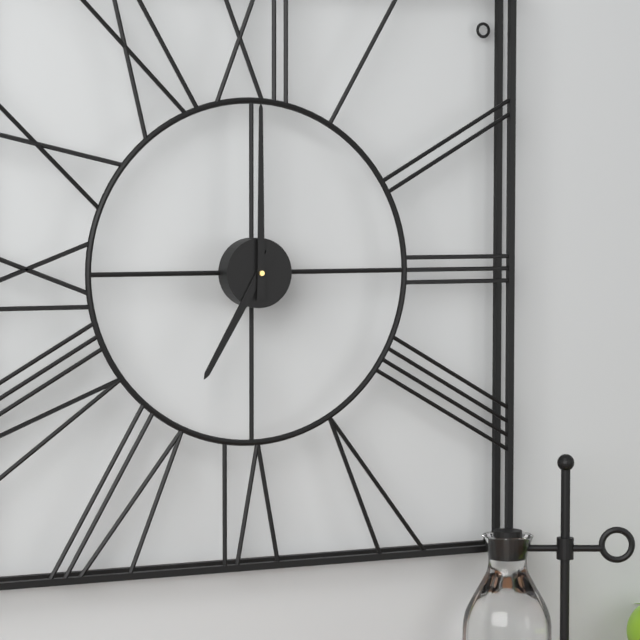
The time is {"hour": 7, "minute": 0}
